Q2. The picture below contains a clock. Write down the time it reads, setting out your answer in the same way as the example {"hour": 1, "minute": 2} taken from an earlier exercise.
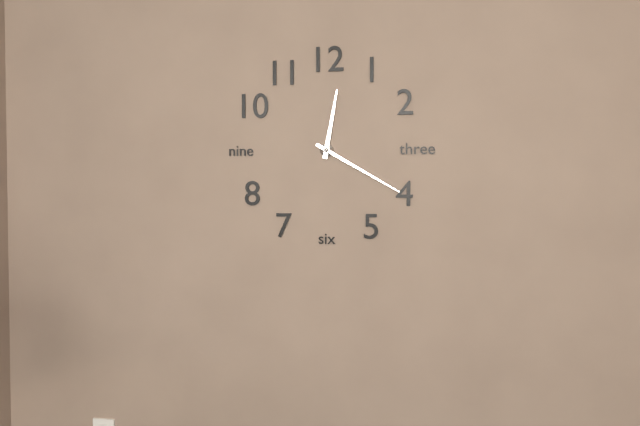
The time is {"hour": 12, "minute": 20}
